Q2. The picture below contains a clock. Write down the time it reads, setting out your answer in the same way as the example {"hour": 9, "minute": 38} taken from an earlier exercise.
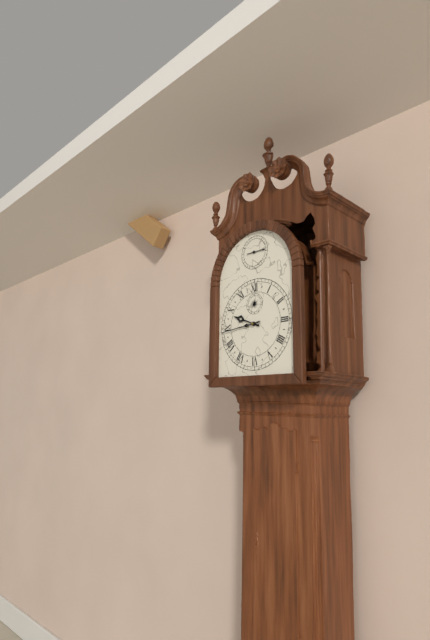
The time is {"hour": 9, "minute": 44}
